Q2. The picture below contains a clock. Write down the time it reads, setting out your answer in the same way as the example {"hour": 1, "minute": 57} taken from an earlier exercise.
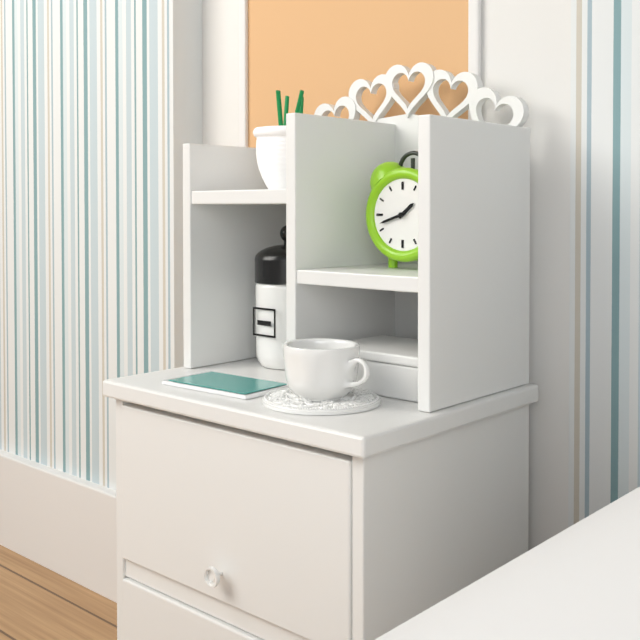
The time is {"hour": 1, "minute": 42}
